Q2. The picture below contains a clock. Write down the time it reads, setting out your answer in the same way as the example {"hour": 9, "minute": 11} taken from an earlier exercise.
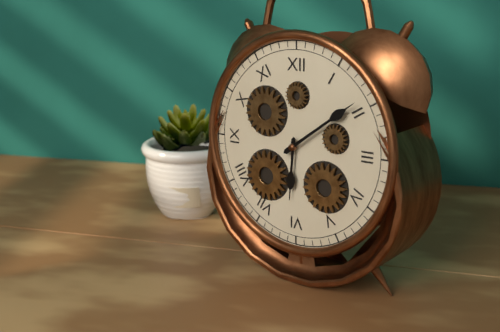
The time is {"hour": 6, "minute": 9}
